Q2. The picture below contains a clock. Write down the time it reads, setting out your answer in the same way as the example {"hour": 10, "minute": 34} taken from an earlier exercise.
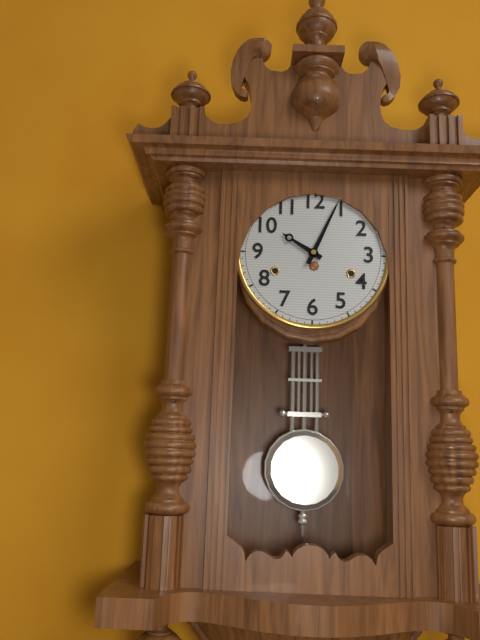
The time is {"hour": 10, "minute": 4}
